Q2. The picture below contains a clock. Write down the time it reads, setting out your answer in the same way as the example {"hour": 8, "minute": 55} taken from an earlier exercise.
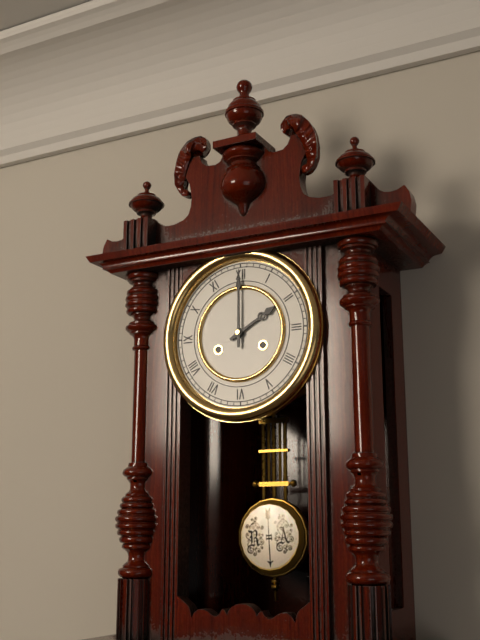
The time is {"hour": 2, "minute": 0}
